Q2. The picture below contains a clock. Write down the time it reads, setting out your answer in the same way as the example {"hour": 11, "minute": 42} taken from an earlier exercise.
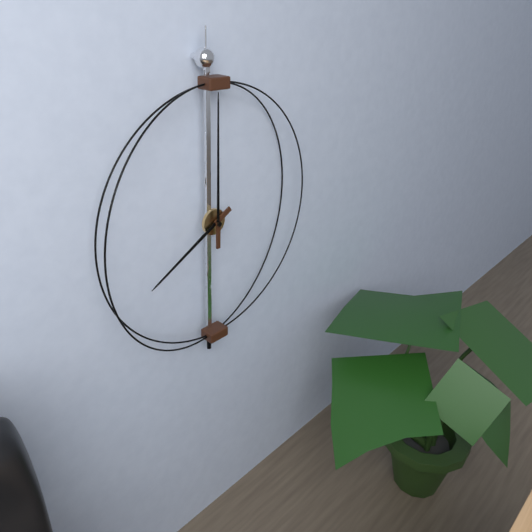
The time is {"hour": 8, "minute": 0}
